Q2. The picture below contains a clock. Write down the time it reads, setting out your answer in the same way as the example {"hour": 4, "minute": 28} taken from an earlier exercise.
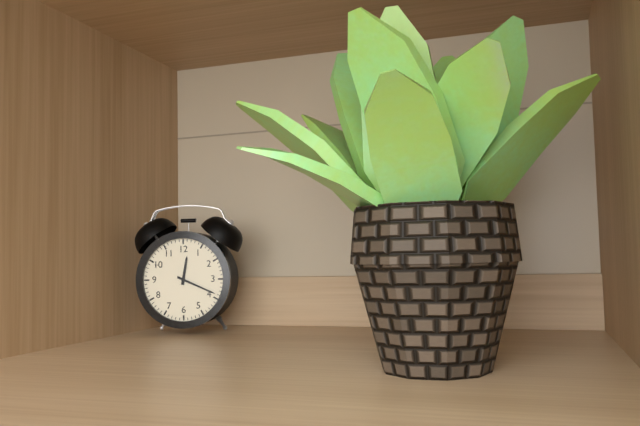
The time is {"hour": 12, "minute": 19}
